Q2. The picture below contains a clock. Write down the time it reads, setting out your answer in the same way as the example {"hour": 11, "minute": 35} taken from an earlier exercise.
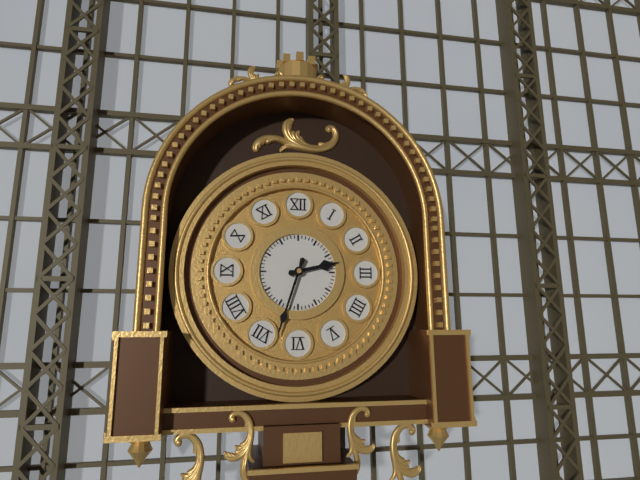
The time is {"hour": 2, "minute": 33}
